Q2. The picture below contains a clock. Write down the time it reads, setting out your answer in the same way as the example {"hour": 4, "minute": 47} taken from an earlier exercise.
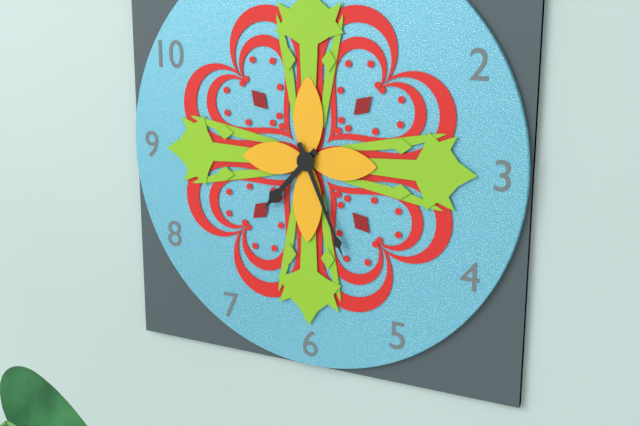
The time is {"hour": 7, "minute": 26}
